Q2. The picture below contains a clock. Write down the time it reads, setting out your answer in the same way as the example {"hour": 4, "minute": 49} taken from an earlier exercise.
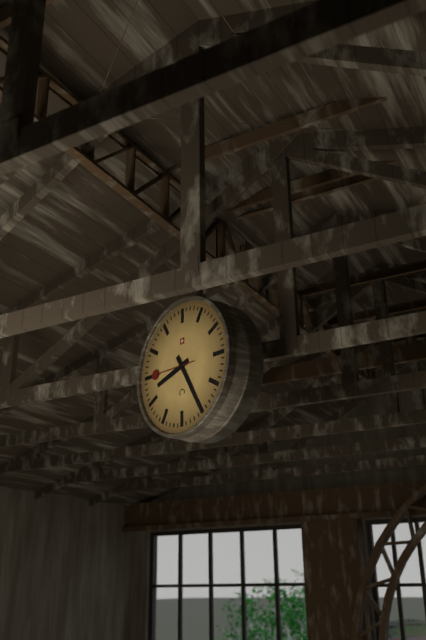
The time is {"hour": 8, "minute": 25}
